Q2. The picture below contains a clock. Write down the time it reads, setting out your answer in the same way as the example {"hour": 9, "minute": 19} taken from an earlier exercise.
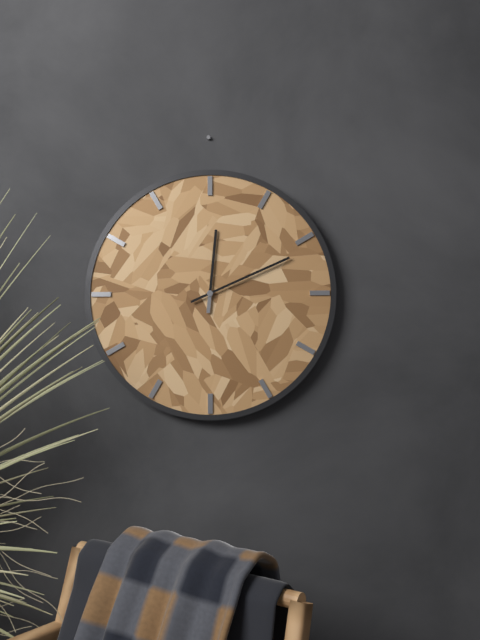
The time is {"hour": 12, "minute": 11}
